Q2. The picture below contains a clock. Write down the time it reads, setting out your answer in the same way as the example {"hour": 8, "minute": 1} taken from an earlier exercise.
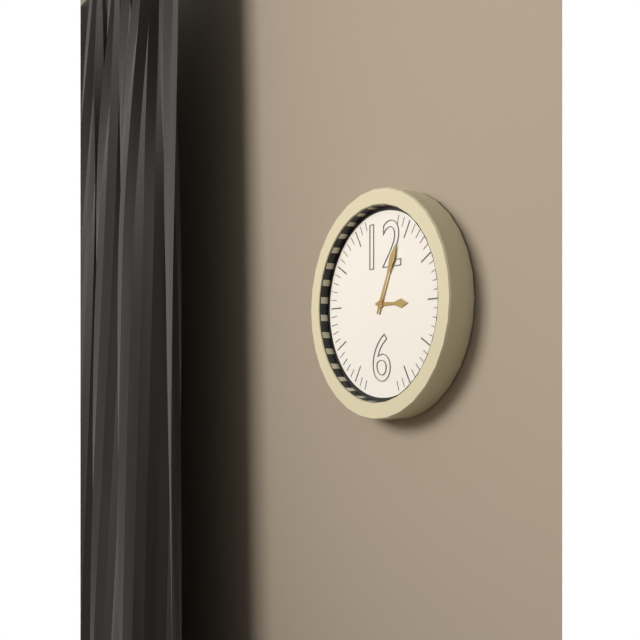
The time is {"hour": 3, "minute": 4}
